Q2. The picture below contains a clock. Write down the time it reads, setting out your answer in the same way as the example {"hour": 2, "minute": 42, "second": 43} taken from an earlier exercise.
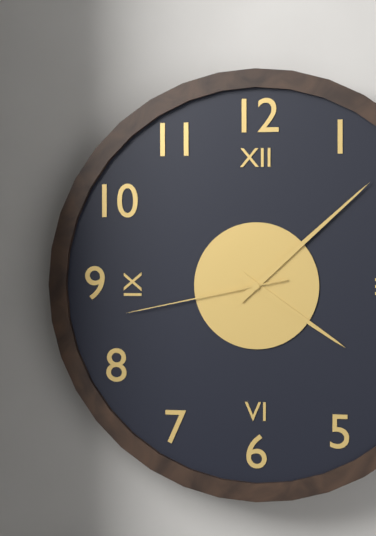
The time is {"hour": 4, "minute": 8, "second": 43}
